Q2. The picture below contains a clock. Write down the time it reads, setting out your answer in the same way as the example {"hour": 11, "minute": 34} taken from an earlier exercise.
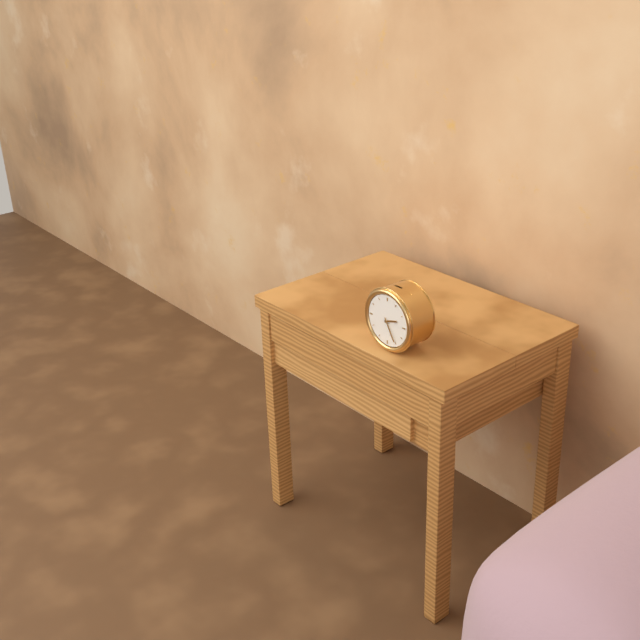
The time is {"hour": 2, "minute": 25}
